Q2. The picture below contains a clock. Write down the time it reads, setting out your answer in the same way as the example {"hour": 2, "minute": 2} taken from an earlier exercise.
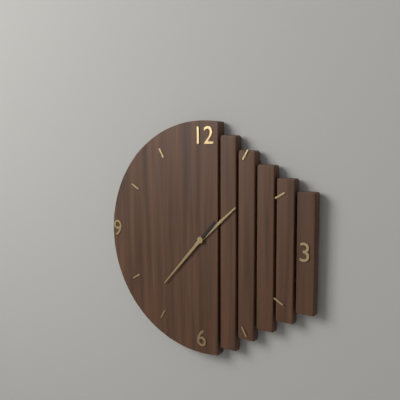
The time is {"hour": 1, "minute": 37}
